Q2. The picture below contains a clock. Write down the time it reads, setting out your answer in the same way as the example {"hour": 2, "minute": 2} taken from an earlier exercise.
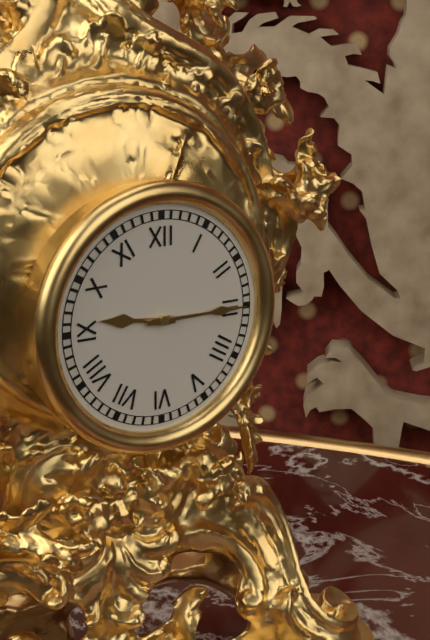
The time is {"hour": 9, "minute": 15}
